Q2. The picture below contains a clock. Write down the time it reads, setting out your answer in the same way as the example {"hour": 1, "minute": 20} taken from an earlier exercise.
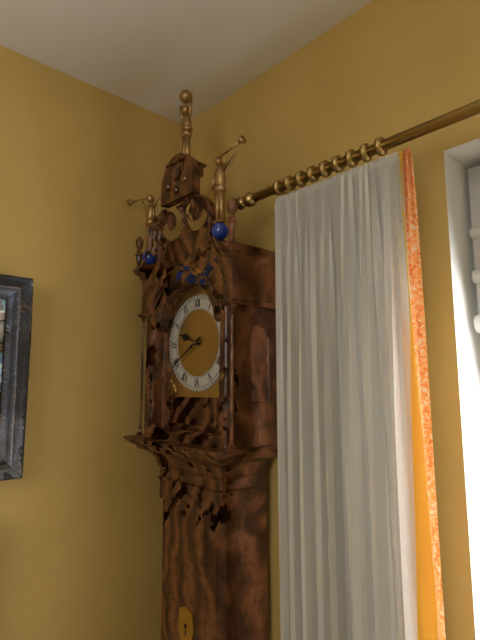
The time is {"hour": 9, "minute": 40}
